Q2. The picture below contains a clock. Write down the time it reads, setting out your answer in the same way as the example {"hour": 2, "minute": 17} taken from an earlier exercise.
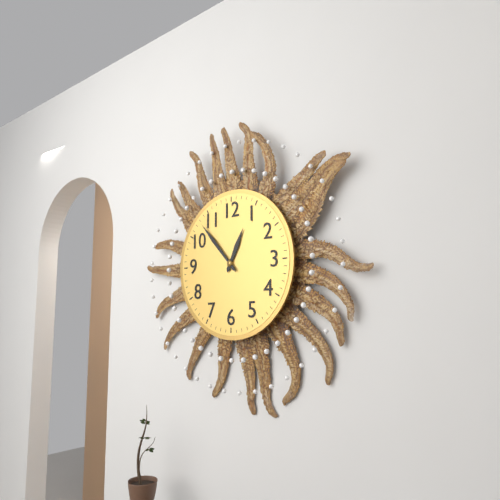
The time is {"hour": 12, "minute": 53}
